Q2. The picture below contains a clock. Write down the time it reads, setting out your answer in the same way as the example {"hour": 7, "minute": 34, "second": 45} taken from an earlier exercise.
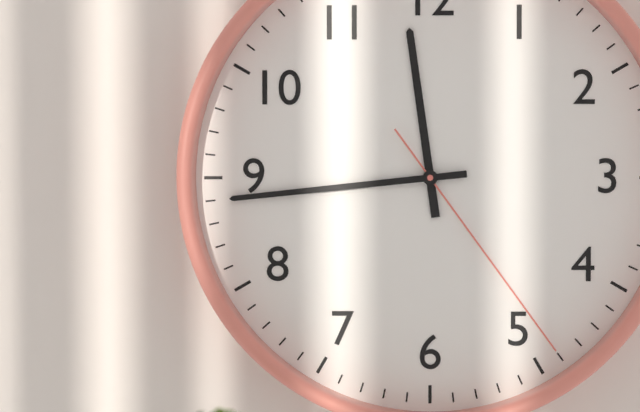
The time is {"hour": 11, "minute": 44, "second": 24}
